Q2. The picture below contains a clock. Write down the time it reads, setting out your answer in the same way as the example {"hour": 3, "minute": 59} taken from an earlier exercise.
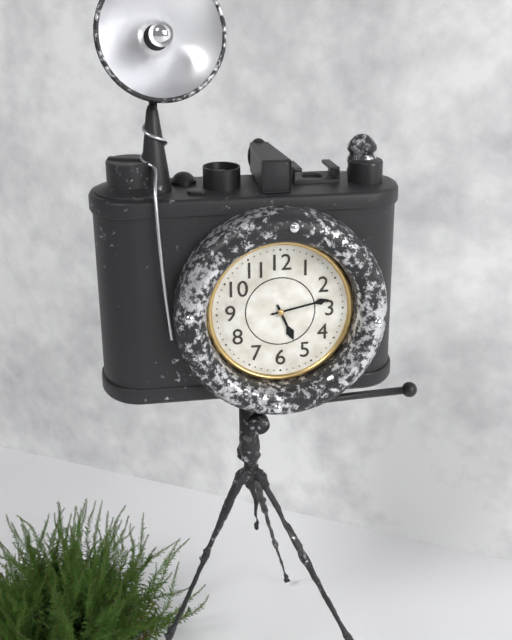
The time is {"hour": 5, "minute": 13}
